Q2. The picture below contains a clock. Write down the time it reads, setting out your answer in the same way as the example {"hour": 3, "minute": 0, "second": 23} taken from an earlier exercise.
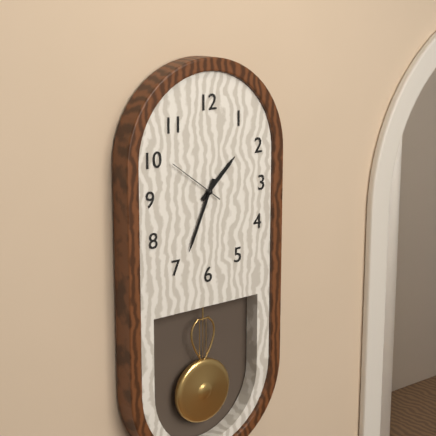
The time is {"hour": 1, "minute": 34, "second": 51}
